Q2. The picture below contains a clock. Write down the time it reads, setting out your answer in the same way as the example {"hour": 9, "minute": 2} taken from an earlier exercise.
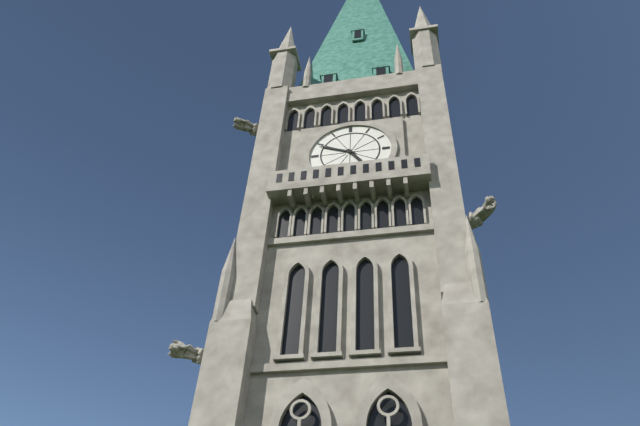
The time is {"hour": 4, "minute": 49}
